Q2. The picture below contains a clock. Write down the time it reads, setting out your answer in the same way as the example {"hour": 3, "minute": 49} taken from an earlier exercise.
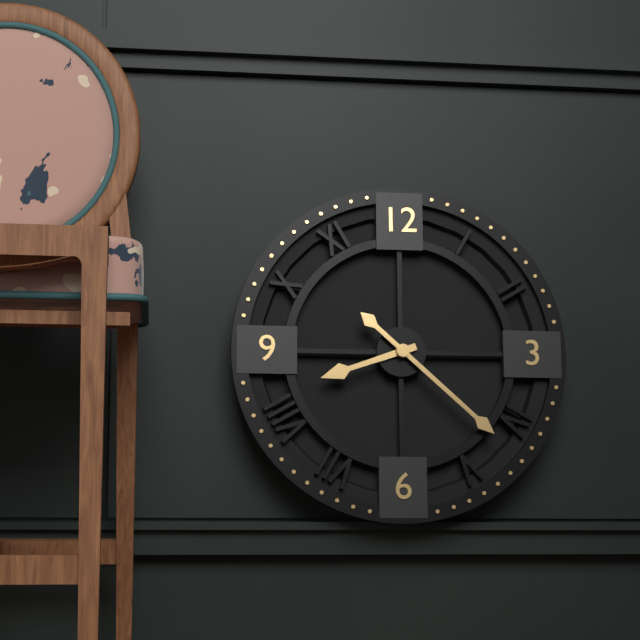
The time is {"hour": 8, "minute": 22}
